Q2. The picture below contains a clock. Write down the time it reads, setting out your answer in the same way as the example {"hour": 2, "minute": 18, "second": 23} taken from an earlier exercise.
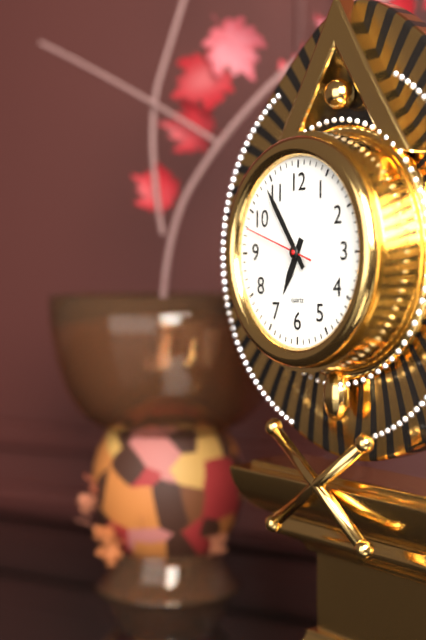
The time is {"hour": 6, "minute": 54, "second": 48}
